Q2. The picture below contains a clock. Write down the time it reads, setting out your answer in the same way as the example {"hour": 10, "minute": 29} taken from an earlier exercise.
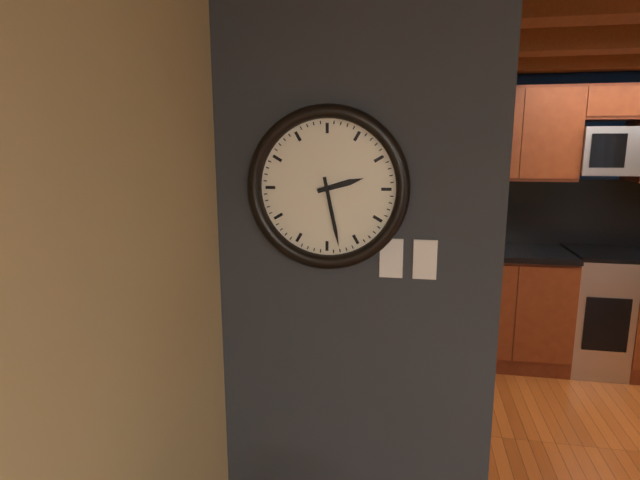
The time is {"hour": 2, "minute": 28}
